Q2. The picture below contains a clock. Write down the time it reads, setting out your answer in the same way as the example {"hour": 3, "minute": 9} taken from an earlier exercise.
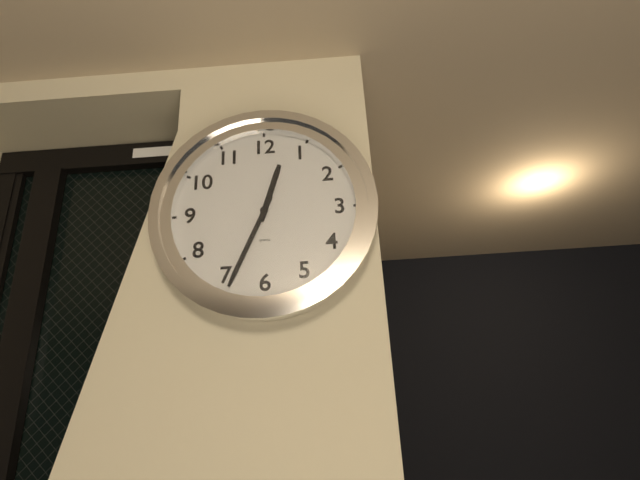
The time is {"hour": 12, "minute": 34}
